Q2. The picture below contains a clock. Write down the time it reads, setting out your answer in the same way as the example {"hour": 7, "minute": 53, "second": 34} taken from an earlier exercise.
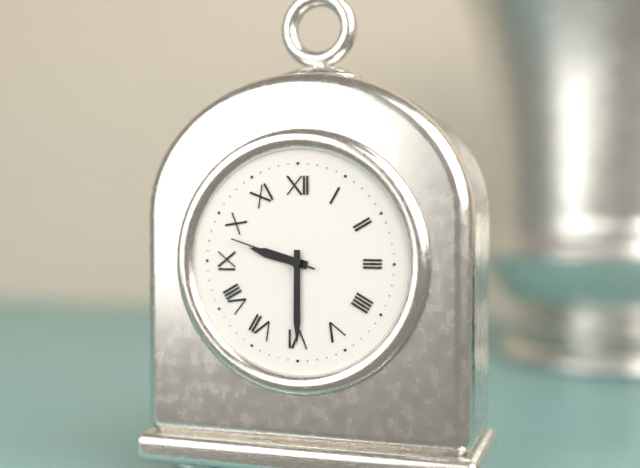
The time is {"hour": 9, "minute": 30, "second": 48}
